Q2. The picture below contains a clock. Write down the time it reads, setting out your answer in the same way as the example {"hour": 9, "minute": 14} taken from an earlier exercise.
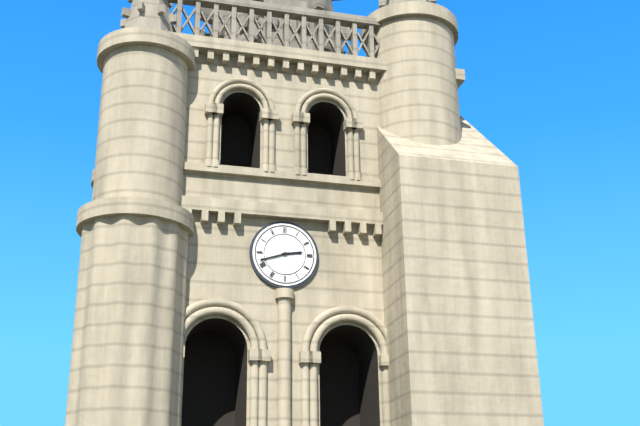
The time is {"hour": 2, "minute": 42}
